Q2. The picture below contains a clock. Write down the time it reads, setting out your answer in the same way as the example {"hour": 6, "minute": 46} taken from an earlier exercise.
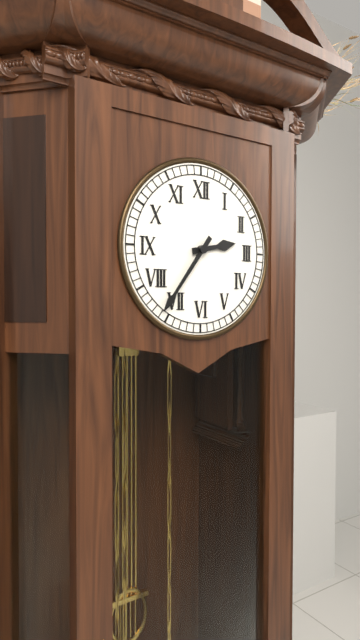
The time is {"hour": 2, "minute": 36}
